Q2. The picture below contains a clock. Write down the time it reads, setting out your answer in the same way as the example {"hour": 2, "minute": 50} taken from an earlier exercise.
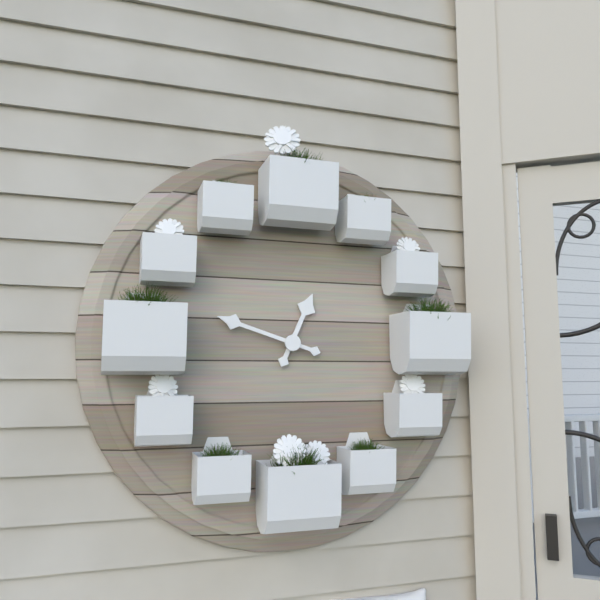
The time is {"hour": 12, "minute": 48}
